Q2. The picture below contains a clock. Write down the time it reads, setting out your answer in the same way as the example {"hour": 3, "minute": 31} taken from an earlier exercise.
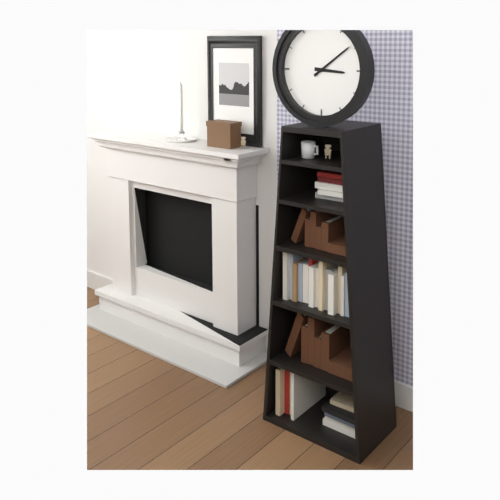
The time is {"hour": 3, "minute": 9}
